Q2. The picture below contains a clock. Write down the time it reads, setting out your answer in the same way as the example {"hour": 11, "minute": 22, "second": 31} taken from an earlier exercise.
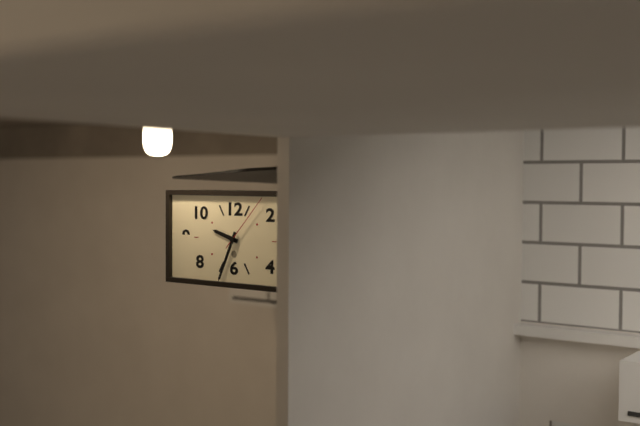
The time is {"hour": 9, "minute": 34, "second": 7}
